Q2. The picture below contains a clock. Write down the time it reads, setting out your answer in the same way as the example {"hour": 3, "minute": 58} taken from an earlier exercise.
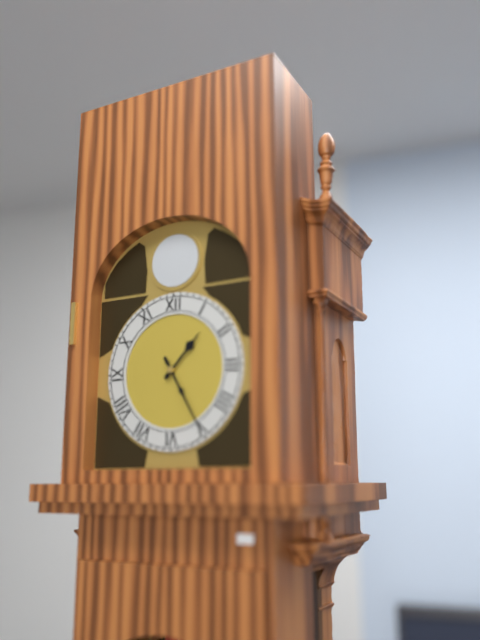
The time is {"hour": 1, "minute": 25}
